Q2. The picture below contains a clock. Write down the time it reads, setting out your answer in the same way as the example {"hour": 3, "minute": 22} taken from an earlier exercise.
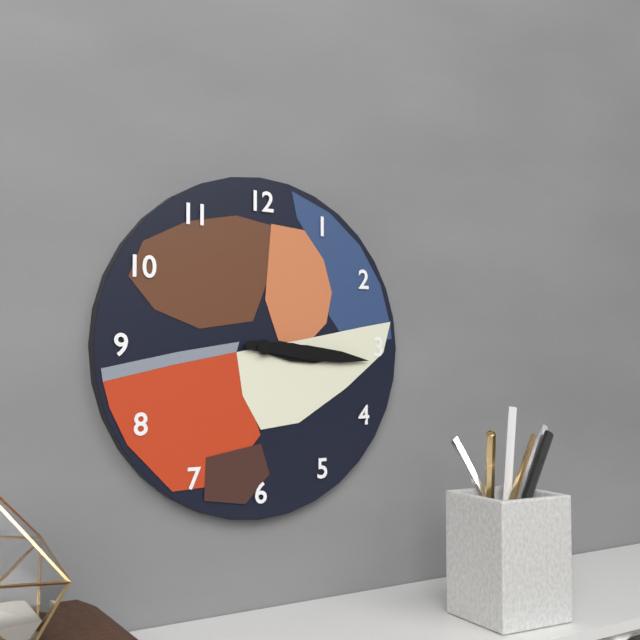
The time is {"hour": 3, "minute": 16}
